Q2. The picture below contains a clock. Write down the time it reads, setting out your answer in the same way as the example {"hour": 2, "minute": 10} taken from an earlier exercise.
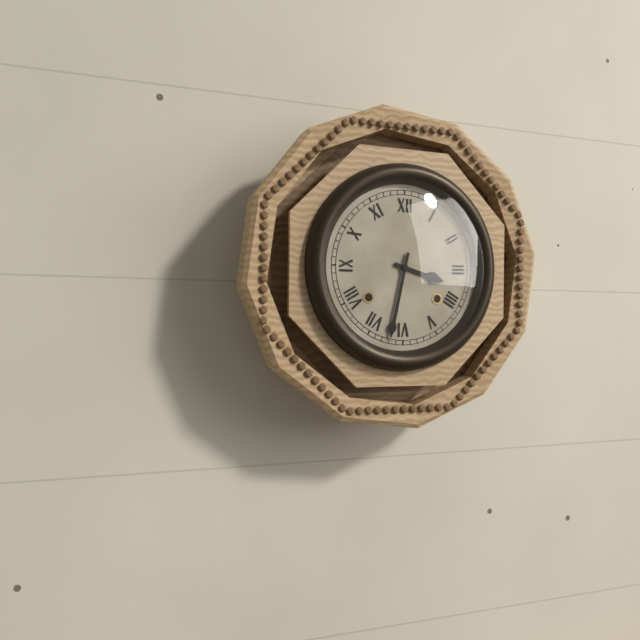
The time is {"hour": 3, "minute": 32}
